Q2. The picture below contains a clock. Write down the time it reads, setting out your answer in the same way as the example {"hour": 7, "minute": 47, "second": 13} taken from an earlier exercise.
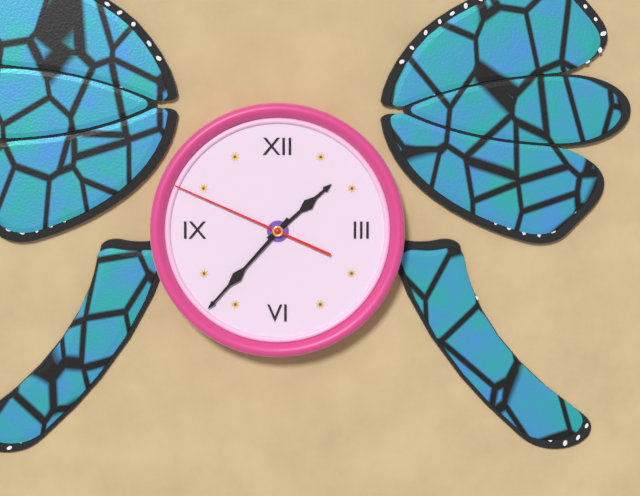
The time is {"hour": 1, "minute": 37, "second": 49}
